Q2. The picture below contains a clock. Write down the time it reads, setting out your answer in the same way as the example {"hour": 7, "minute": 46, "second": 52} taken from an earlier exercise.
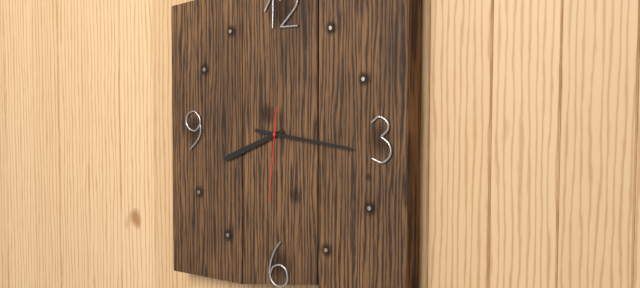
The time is {"hour": 8, "minute": 16, "second": 31}
